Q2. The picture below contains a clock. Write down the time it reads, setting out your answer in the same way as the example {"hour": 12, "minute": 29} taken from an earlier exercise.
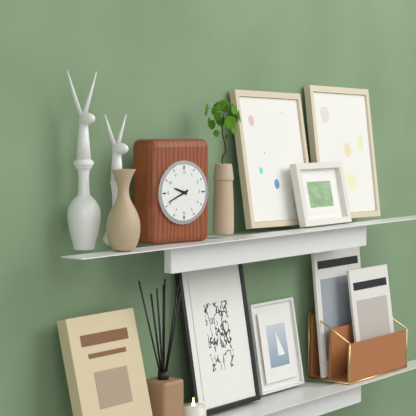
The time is {"hour": 9, "minute": 41}
